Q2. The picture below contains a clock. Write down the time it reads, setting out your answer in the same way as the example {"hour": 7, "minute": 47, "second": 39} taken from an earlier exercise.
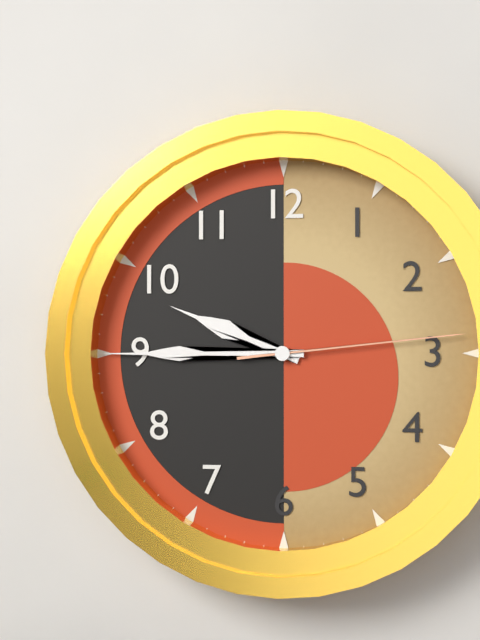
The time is {"hour": 9, "minute": 45, "second": 14}
